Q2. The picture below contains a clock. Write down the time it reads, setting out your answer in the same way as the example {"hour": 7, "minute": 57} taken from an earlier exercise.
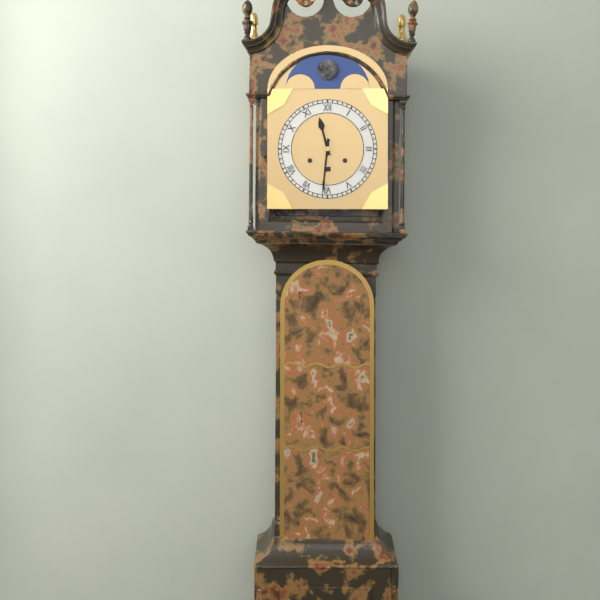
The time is {"hour": 11, "minute": 31}
